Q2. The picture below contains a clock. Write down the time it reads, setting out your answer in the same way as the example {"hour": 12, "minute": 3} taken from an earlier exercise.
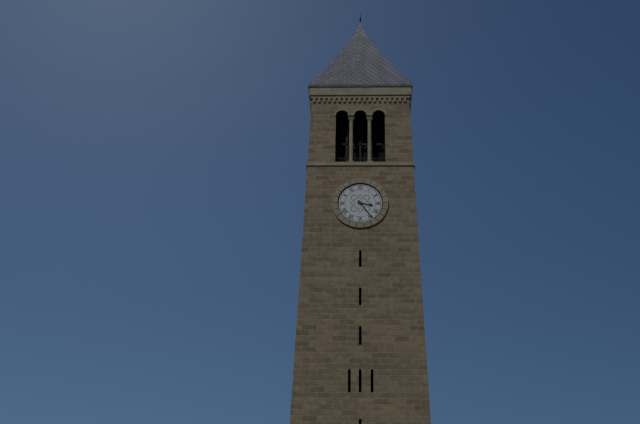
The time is {"hour": 3, "minute": 24}
